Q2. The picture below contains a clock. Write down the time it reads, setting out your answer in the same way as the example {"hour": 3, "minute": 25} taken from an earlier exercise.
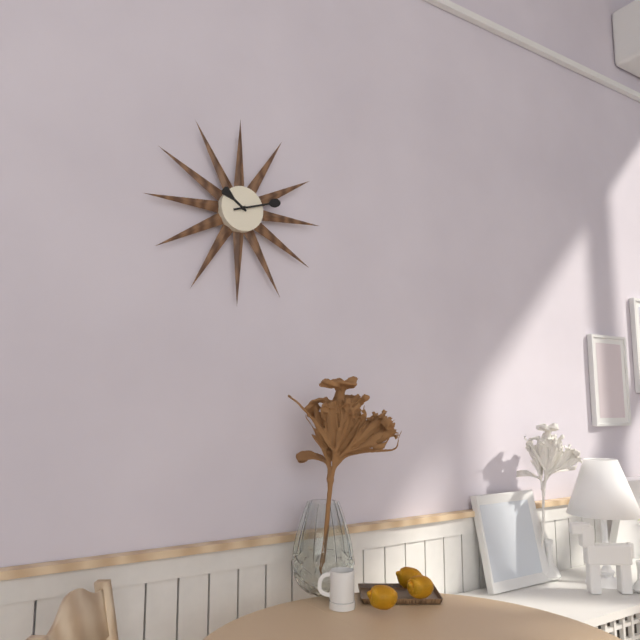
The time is {"hour": 10, "minute": 12}
